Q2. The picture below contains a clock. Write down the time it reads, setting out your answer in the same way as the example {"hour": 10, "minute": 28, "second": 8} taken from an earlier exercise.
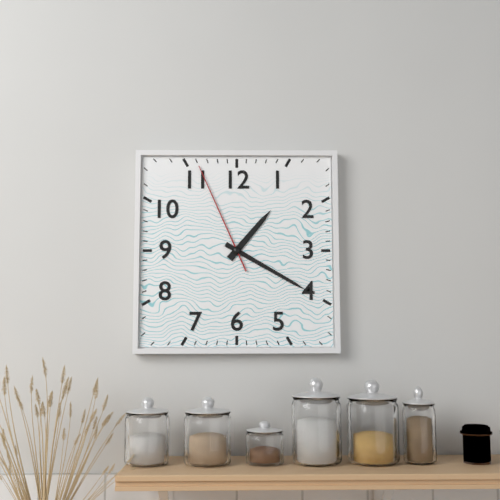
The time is {"hour": 1, "minute": 20, "second": 56}
